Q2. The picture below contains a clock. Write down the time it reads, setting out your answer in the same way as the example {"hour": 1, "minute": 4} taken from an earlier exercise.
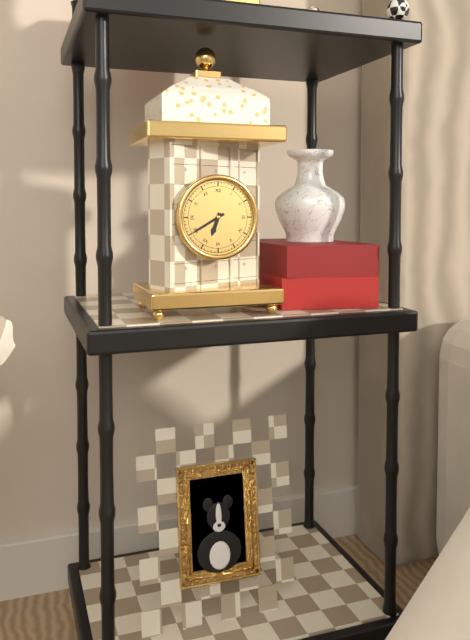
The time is {"hour": 6, "minute": 40}
